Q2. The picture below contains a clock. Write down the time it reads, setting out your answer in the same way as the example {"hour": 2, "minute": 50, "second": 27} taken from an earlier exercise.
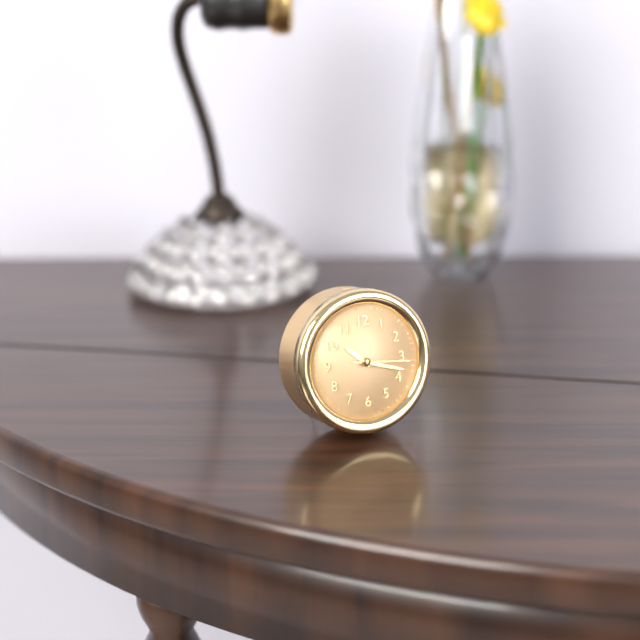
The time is {"hour": 10, "minute": 18, "second": 16}
